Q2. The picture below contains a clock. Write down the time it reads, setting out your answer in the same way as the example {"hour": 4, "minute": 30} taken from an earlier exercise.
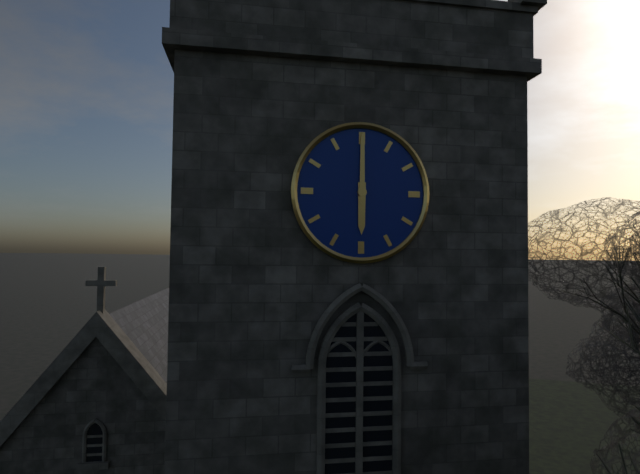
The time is {"hour": 6, "minute": 0}
